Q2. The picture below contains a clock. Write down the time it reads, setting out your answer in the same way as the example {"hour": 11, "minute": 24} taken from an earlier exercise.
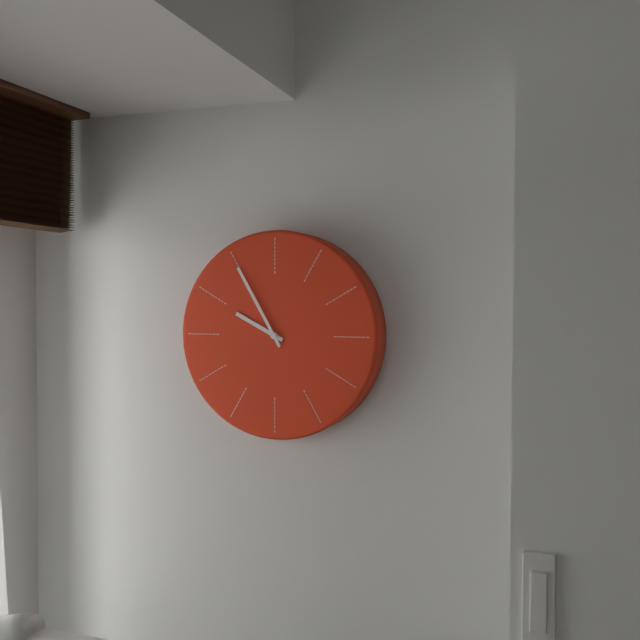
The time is {"hour": 9, "minute": 55}
